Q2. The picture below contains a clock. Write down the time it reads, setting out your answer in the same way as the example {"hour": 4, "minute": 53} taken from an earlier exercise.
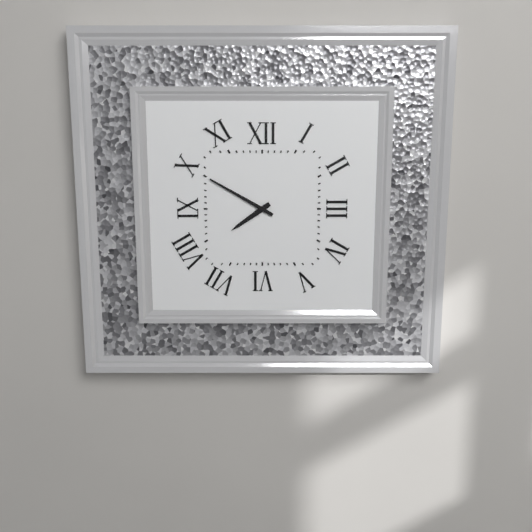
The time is {"hour": 7, "minute": 50}
